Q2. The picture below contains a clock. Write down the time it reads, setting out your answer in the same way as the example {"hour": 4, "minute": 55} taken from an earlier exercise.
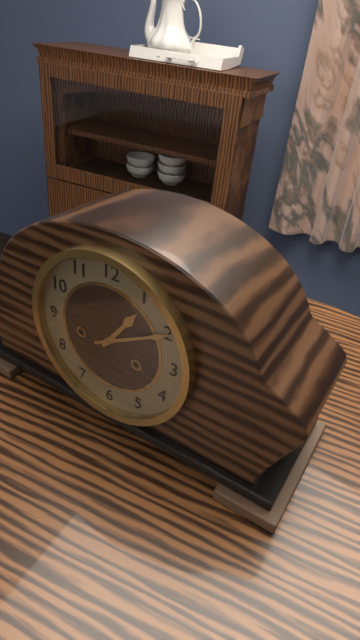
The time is {"hour": 1, "minute": 10}
